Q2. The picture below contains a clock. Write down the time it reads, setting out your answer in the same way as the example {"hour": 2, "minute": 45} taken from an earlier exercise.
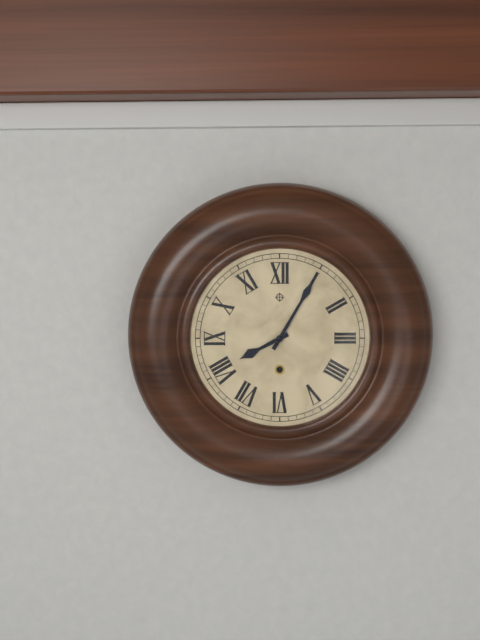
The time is {"hour": 8, "minute": 5}
